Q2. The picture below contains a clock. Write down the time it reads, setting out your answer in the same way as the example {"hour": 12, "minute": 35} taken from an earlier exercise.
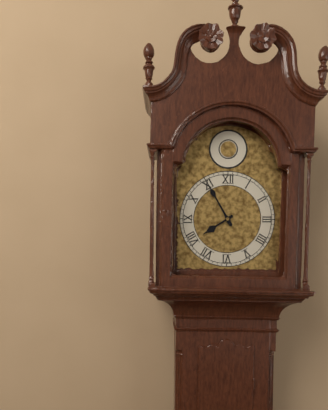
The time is {"hour": 7, "minute": 55}
